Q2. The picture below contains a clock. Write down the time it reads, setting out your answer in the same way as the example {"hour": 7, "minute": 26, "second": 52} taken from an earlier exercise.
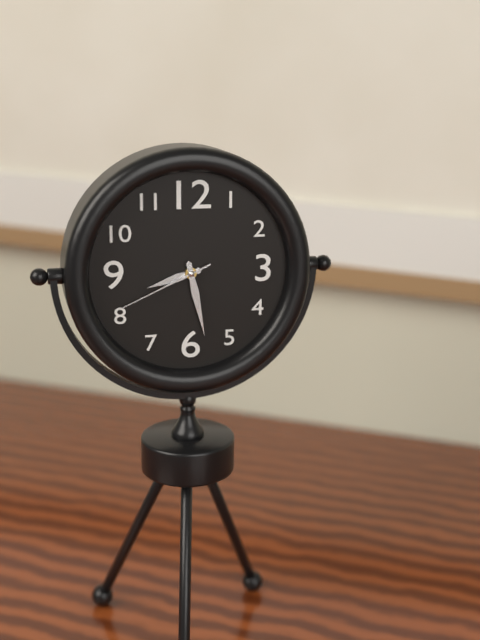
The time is {"hour": 8, "minute": 28, "second": 41}
